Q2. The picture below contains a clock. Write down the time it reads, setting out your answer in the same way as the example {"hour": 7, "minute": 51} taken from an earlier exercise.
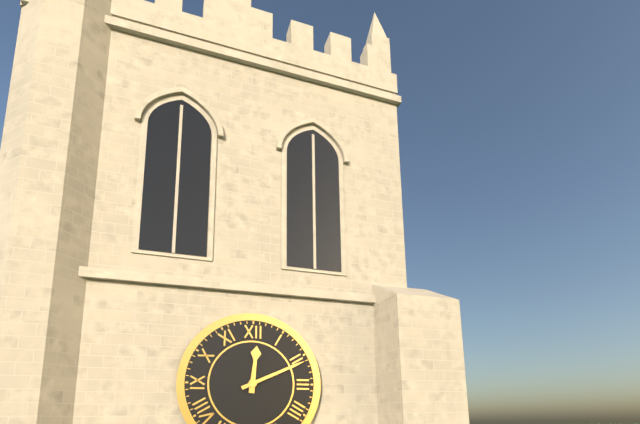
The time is {"hour": 12, "minute": 11}
